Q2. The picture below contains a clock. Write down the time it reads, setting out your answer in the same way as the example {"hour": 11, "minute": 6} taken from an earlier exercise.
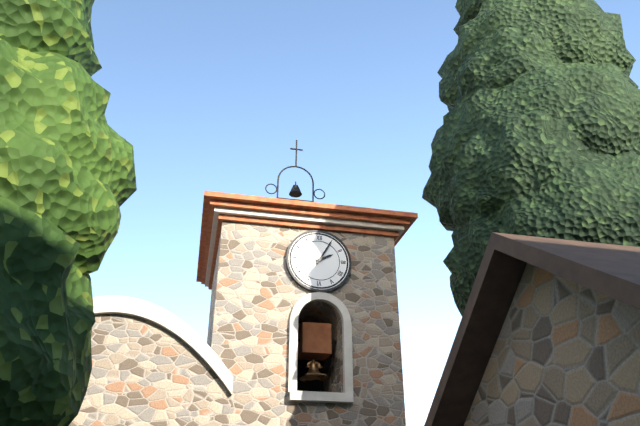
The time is {"hour": 2, "minute": 5}
